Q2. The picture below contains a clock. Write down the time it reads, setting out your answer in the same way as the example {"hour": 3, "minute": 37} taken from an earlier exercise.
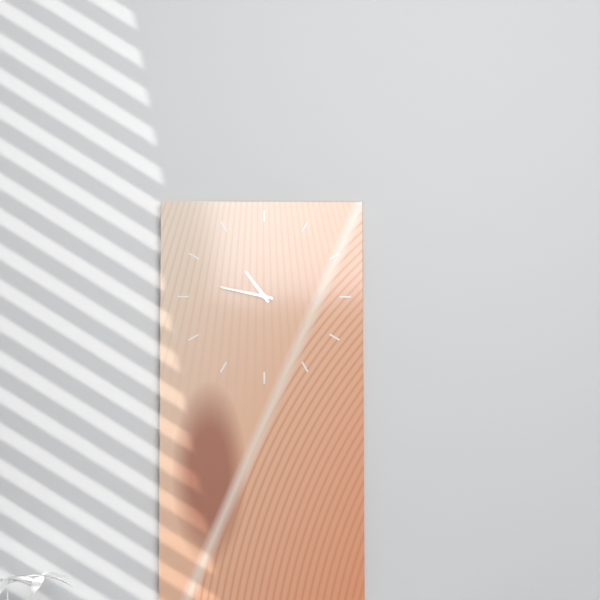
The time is {"hour": 10, "minute": 47}
